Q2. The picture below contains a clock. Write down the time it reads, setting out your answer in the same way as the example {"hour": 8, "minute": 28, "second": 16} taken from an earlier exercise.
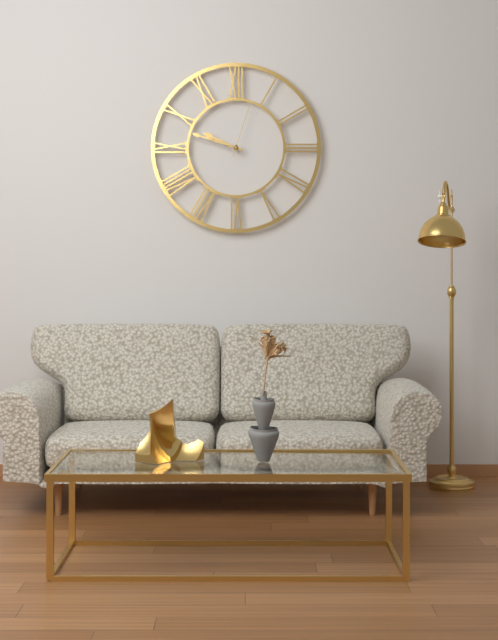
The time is {"hour": 9, "minute": 48, "second": 3}
